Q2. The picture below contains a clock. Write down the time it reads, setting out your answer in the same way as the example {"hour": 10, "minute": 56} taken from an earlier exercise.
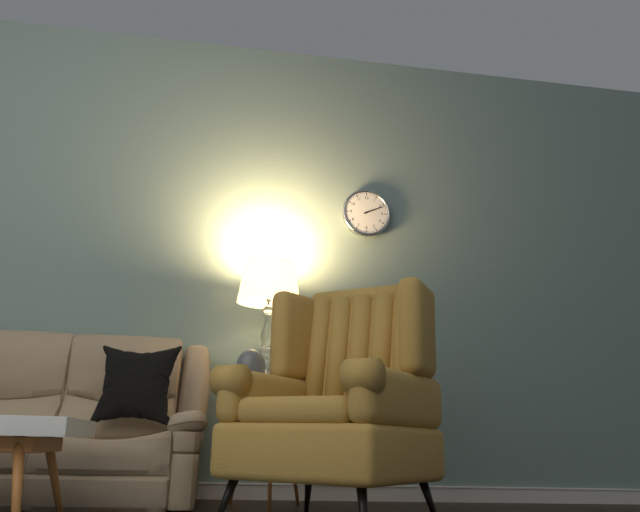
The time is {"hour": 2, "minute": 11}
